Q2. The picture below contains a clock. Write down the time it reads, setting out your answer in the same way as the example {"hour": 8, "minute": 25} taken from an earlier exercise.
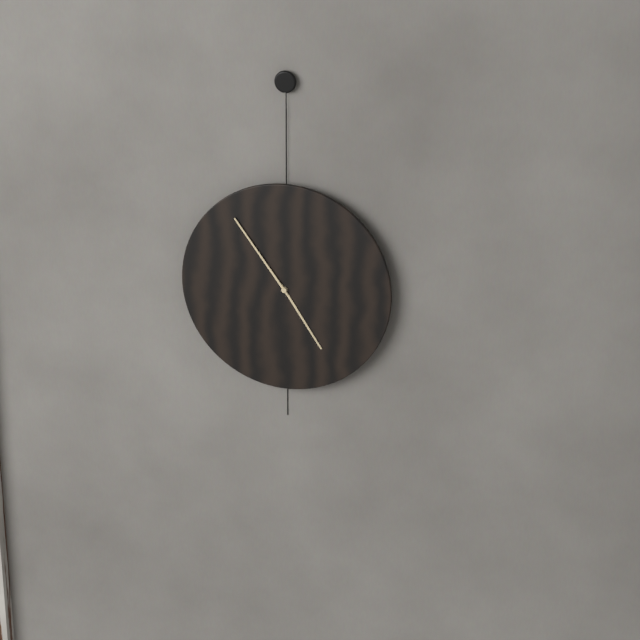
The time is {"hour": 4, "minute": 54}
